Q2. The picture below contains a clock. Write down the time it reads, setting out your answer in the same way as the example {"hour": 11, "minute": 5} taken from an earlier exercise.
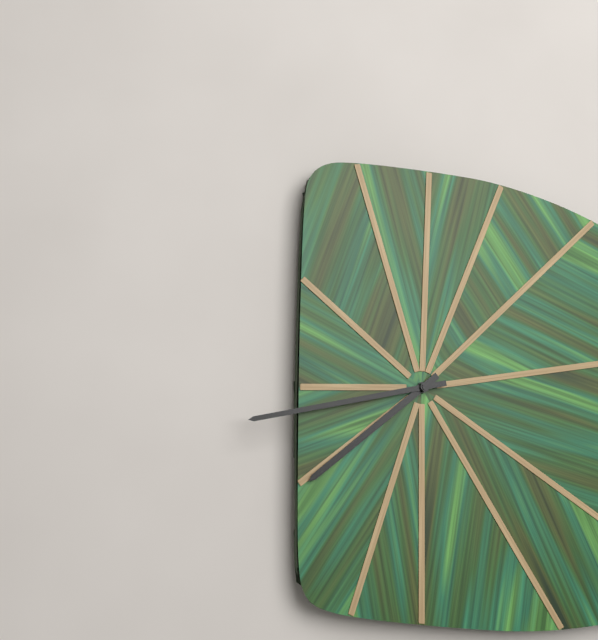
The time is {"hour": 7, "minute": 43}
